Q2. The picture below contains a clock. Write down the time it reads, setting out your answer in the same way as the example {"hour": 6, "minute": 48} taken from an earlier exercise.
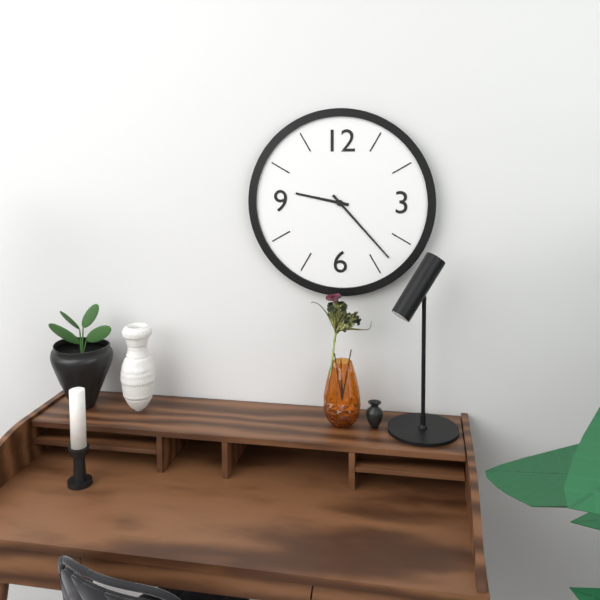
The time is {"hour": 9, "minute": 23}
